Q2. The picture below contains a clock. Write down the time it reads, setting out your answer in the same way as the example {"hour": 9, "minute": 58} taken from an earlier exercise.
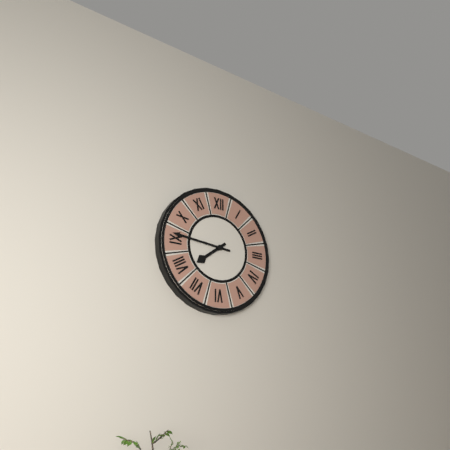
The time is {"hour": 7, "minute": 46}
